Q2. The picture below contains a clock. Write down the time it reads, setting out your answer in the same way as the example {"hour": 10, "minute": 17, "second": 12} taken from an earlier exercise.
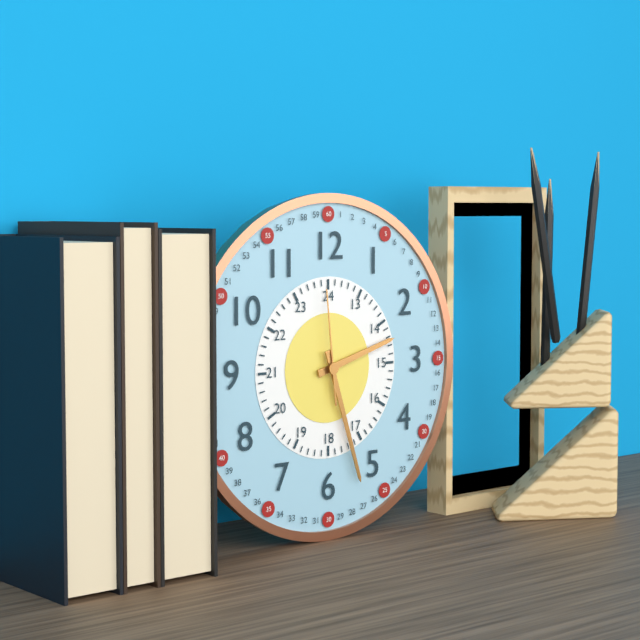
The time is {"hour": 2, "minute": 27, "second": 59}
